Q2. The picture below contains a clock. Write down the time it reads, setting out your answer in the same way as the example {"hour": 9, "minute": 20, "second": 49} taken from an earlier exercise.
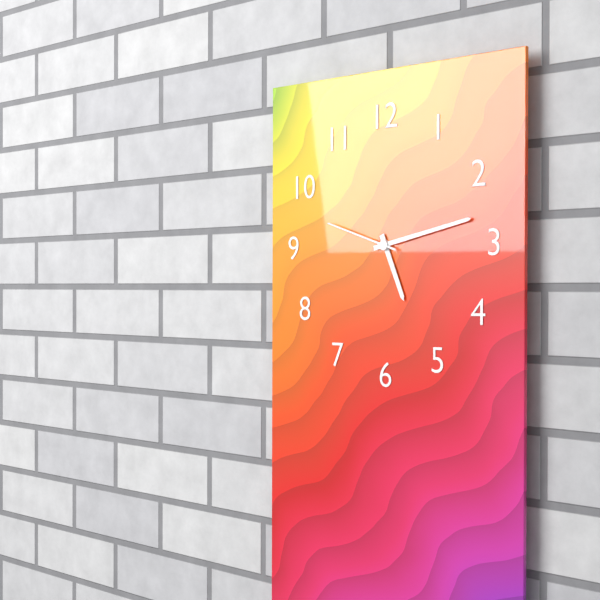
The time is {"hour": 5, "minute": 13, "second": 48}
